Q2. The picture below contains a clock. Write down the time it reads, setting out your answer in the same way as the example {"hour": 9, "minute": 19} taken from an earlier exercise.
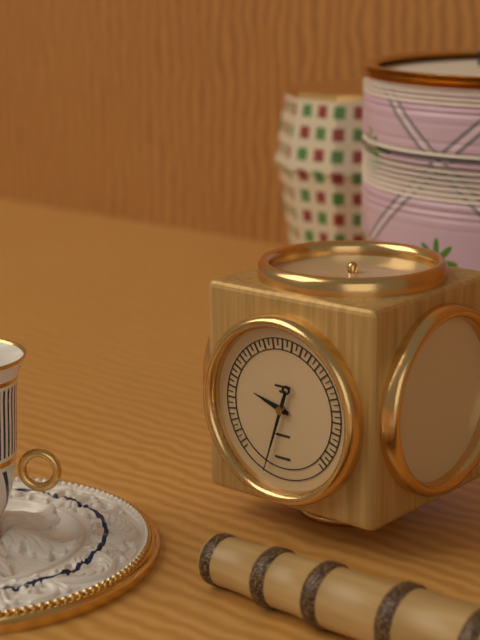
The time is {"hour": 9, "minute": 33}
